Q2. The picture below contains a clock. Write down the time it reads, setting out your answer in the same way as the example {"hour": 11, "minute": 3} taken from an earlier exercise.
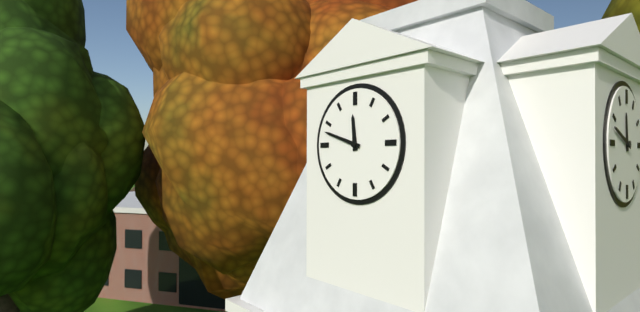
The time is {"hour": 11, "minute": 48}
